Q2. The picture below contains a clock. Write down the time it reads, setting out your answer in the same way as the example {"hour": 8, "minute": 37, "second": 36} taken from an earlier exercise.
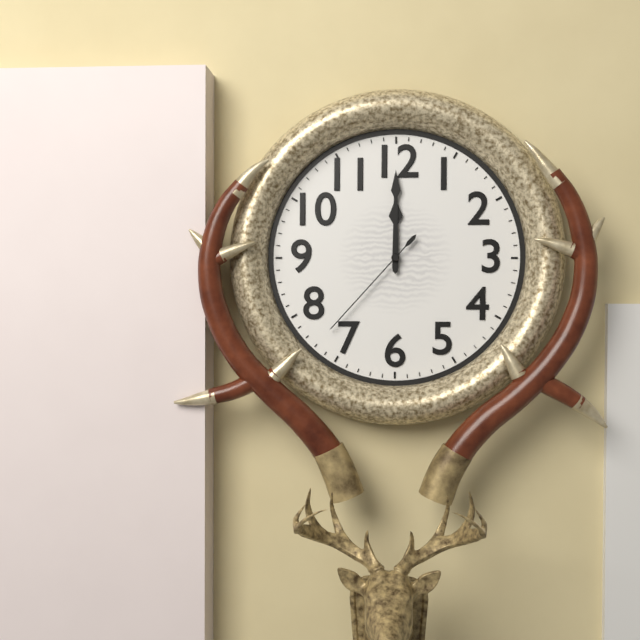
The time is {"hour": 12, "minute": 0, "second": 37}
